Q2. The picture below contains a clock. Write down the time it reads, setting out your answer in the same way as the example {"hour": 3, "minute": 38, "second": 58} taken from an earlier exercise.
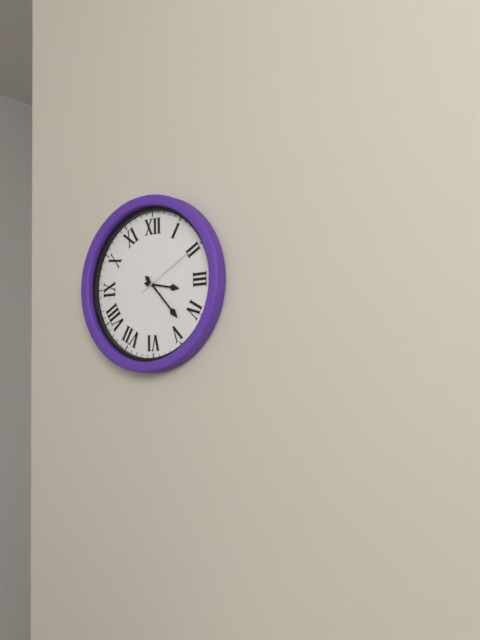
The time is {"hour": 3, "minute": 23, "second": 10}
